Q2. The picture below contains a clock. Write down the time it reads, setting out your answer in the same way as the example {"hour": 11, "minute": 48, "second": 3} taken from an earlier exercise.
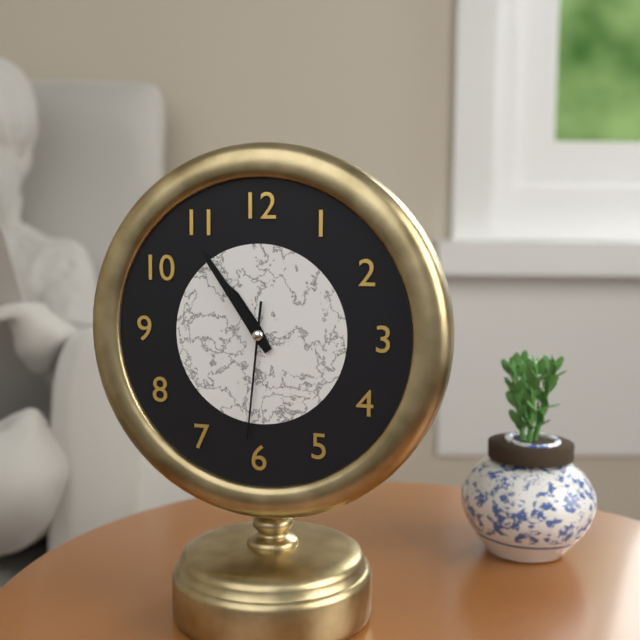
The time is {"hour": 10, "minute": 54, "second": 31}
